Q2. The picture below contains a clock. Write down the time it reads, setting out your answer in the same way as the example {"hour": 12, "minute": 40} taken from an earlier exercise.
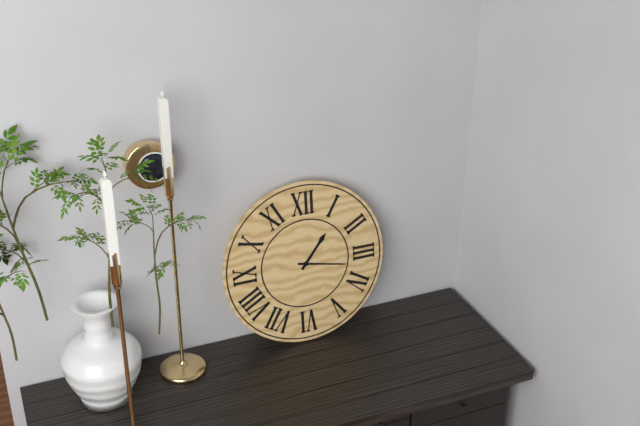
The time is {"hour": 1, "minute": 17}
